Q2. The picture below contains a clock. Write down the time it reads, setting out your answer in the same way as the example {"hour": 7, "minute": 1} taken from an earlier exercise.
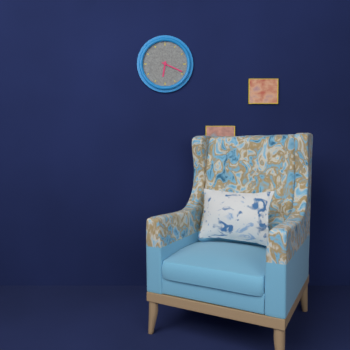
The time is {"hour": 6, "minute": 19}
